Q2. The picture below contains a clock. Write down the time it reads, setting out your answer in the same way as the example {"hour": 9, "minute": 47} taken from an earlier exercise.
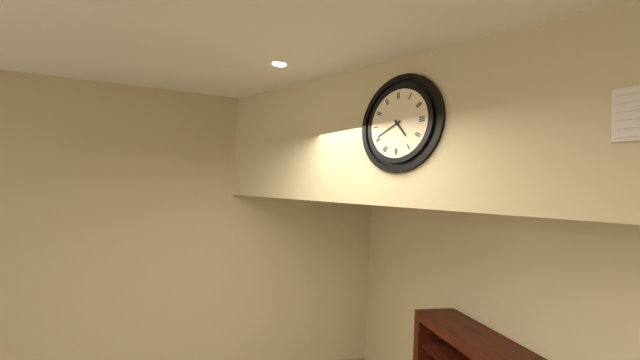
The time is {"hour": 4, "minute": 41}
